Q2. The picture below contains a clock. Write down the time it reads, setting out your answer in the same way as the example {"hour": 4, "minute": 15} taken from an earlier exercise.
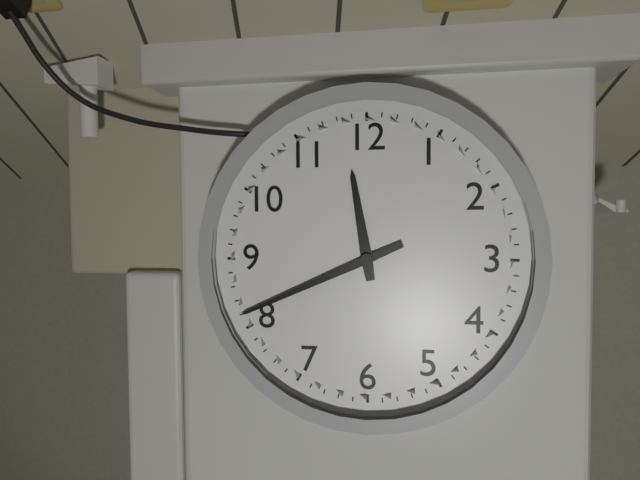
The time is {"hour": 11, "minute": 41}
